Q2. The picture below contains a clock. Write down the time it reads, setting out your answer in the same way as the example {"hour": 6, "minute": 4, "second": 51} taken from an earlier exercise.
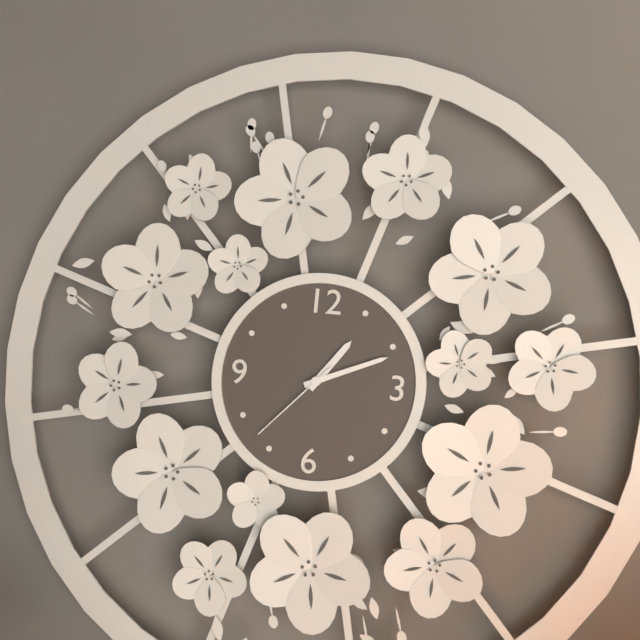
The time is {"hour": 1, "minute": 11, "second": 37}
